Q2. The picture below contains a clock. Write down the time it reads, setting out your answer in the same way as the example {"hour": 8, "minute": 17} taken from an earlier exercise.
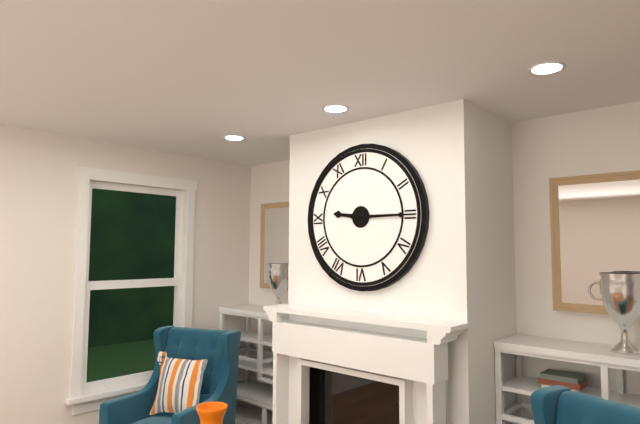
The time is {"hour": 9, "minute": 15}
